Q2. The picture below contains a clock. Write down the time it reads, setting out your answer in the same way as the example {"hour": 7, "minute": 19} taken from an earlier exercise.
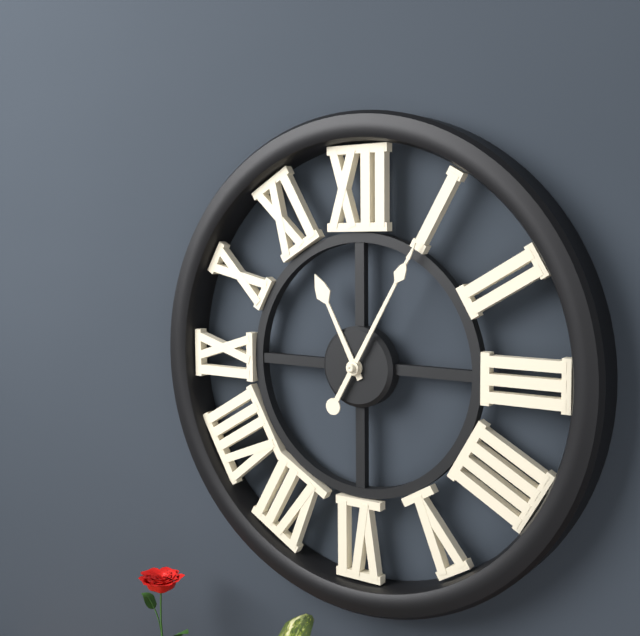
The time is {"hour": 11, "minute": 5}
